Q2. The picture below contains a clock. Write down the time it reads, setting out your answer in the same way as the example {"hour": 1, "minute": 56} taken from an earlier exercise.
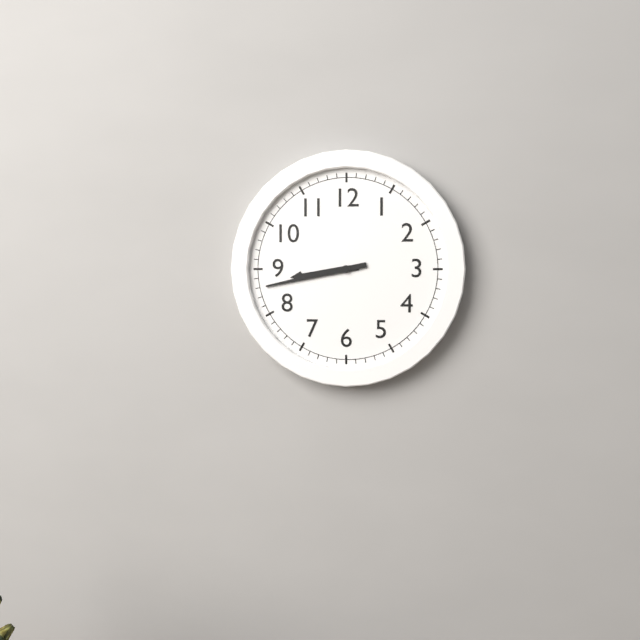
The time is {"hour": 8, "minute": 43}
